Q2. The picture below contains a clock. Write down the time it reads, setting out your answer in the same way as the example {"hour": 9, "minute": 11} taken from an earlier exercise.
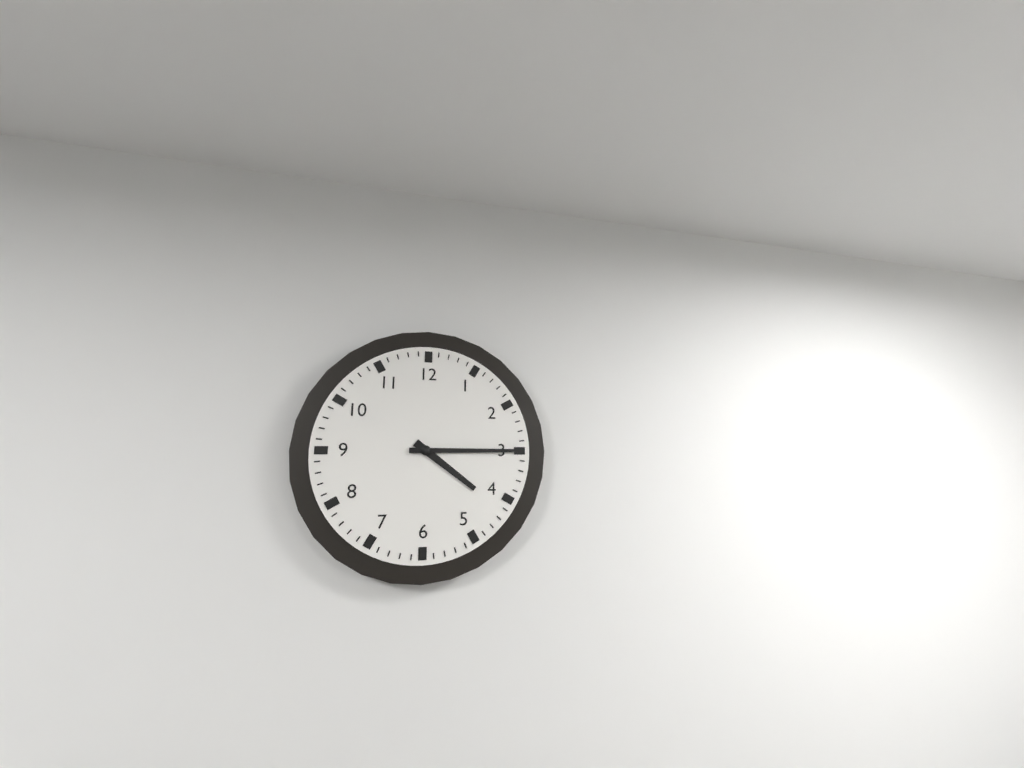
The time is {"hour": 4, "minute": 15}
